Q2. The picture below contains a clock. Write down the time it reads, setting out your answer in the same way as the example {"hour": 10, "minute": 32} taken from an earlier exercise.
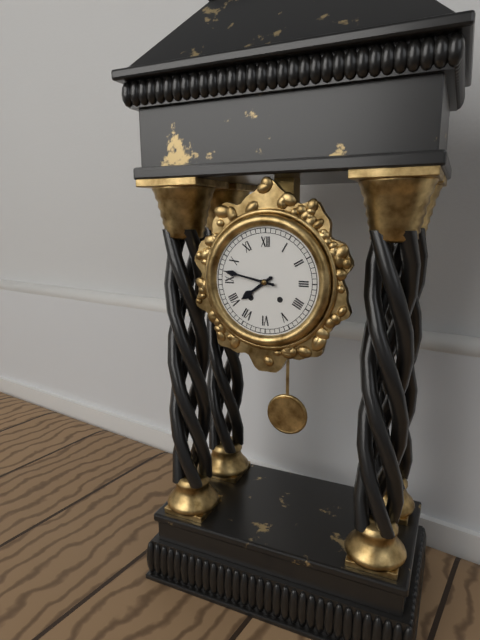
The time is {"hour": 7, "minute": 47}
